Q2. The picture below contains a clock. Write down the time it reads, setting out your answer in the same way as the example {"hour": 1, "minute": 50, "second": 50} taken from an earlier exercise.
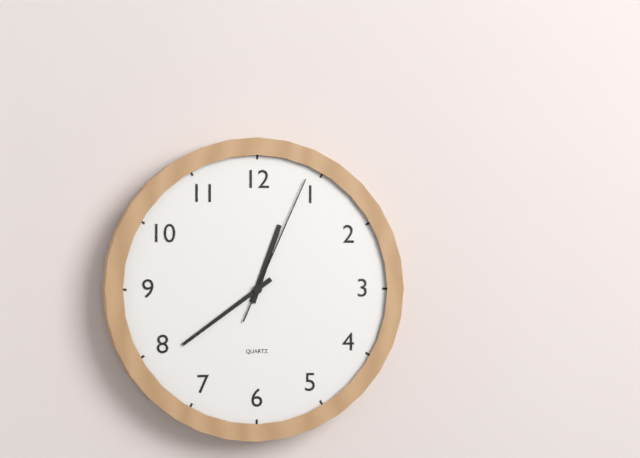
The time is {"hour": 12, "minute": 39, "second": 4}
